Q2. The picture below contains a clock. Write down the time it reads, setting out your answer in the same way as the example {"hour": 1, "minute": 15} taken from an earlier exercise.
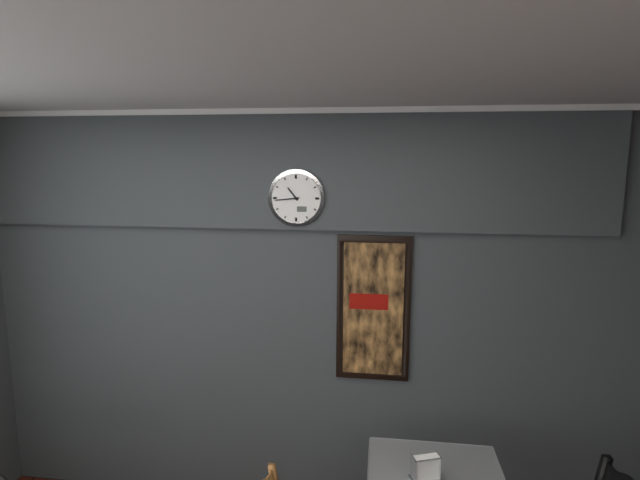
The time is {"hour": 10, "minute": 44}
